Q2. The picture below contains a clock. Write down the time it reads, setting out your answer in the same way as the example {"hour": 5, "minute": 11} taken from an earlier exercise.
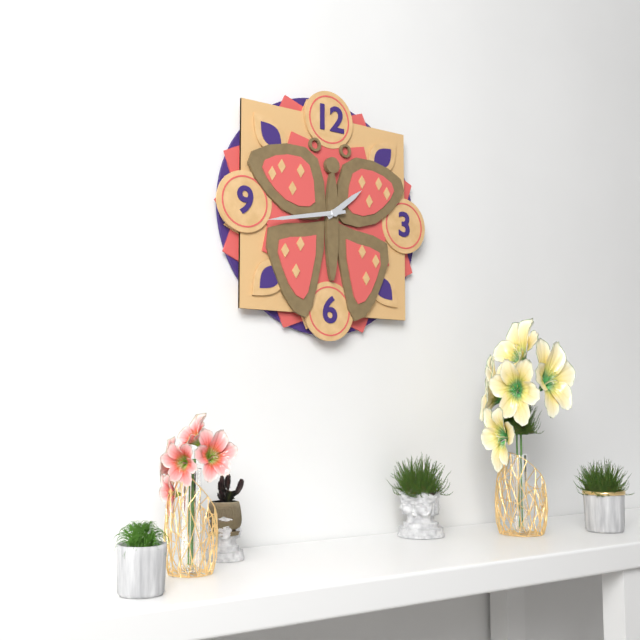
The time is {"hour": 1, "minute": 43}
